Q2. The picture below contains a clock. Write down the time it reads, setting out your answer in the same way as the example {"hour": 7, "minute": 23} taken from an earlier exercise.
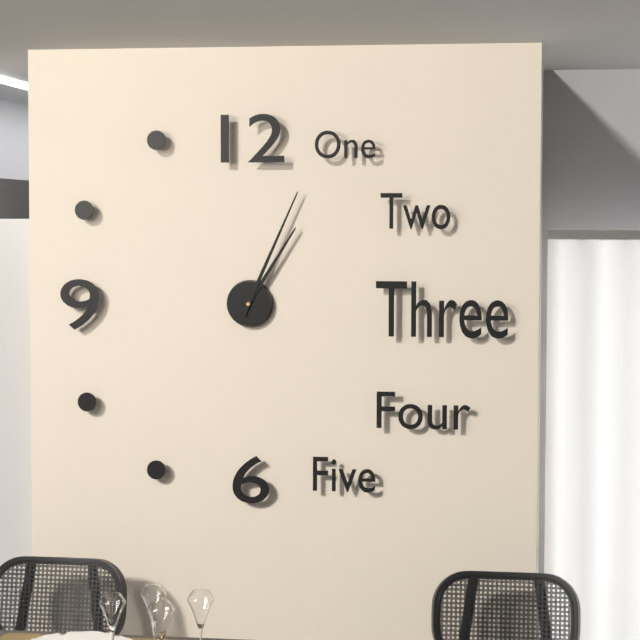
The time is {"hour": 1, "minute": 4}
